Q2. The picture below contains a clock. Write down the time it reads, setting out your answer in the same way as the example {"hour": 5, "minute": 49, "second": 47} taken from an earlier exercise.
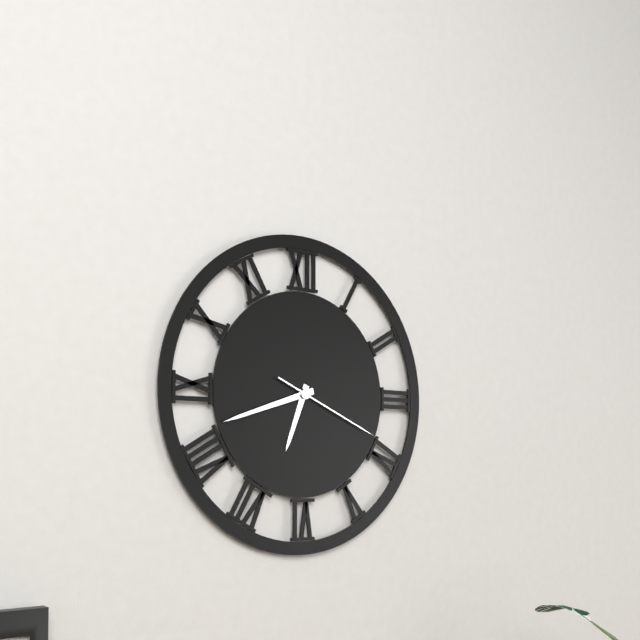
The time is {"hour": 6, "minute": 42, "second": 19}
